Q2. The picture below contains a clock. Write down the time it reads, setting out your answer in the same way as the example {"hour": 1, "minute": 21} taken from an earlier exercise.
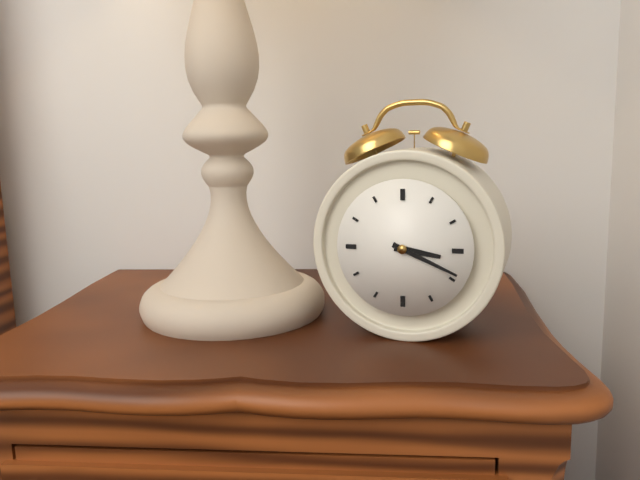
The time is {"hour": 3, "minute": 19}
